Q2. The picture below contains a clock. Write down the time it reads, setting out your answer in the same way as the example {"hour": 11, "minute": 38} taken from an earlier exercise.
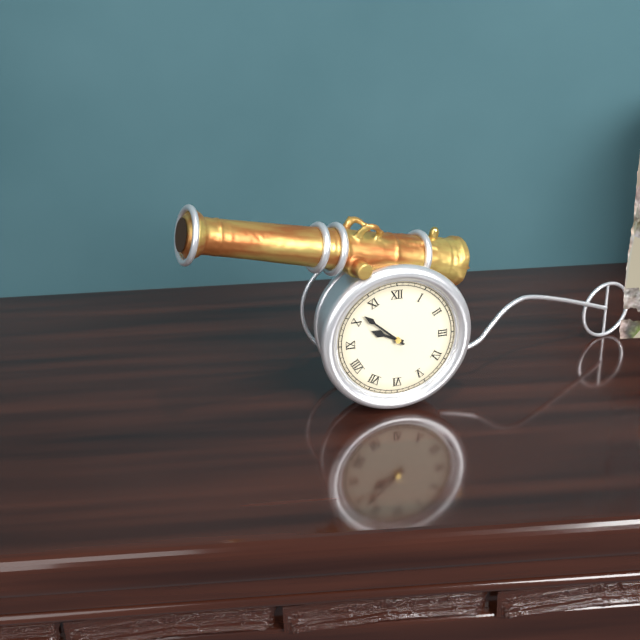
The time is {"hour": 9, "minute": 52}
